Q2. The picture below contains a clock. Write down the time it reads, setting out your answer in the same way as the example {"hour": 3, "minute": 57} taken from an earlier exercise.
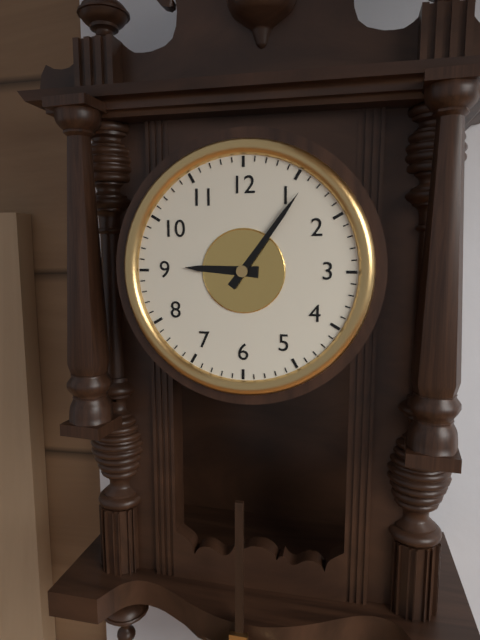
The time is {"hour": 9, "minute": 6}
